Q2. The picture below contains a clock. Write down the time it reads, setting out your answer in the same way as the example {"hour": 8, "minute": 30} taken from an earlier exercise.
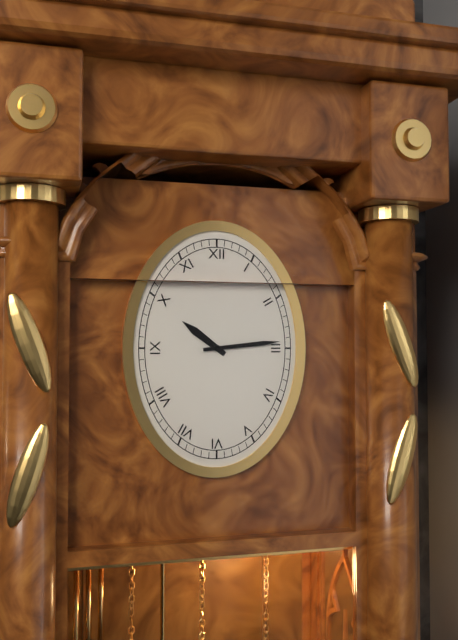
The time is {"hour": 10, "minute": 14}
